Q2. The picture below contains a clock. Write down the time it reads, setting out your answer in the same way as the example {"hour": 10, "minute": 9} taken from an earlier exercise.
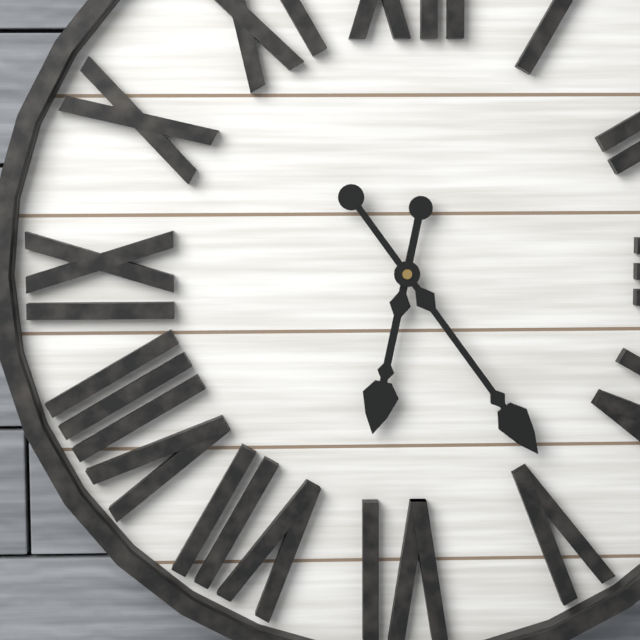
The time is {"hour": 6, "minute": 24}
